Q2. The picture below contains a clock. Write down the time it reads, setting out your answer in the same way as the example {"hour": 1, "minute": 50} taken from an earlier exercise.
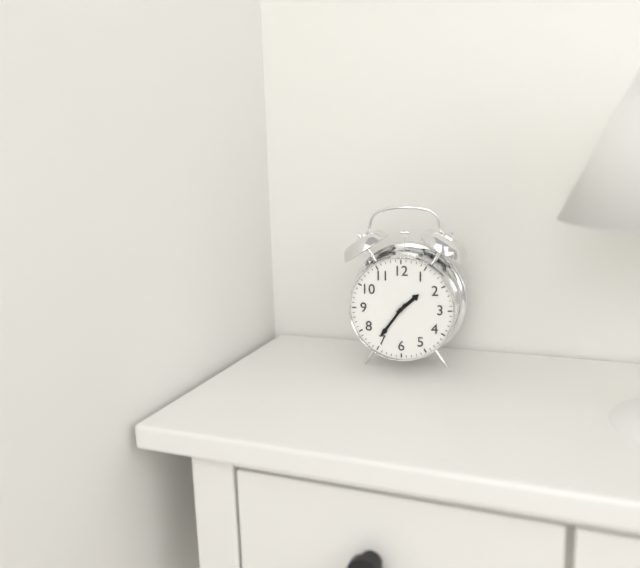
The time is {"hour": 1, "minute": 36}
